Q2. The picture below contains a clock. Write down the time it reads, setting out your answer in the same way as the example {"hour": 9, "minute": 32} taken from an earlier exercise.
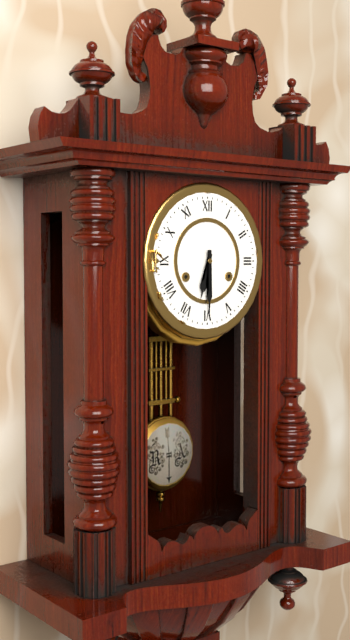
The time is {"hour": 6, "minute": 30}
